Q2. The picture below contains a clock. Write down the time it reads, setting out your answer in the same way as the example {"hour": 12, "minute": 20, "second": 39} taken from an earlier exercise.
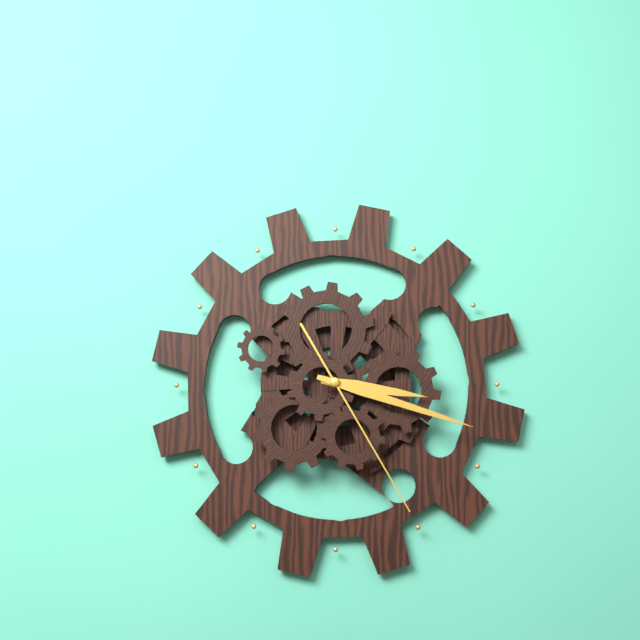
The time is {"hour": 3, "minute": 18, "second": 25}
